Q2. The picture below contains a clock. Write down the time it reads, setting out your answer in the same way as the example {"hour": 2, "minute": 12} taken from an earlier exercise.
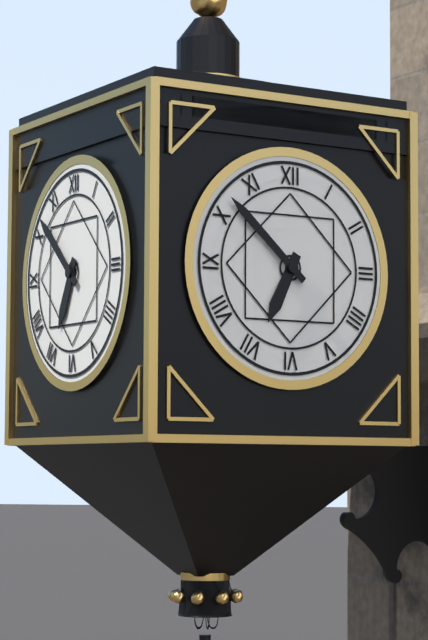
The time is {"hour": 6, "minute": 52}
